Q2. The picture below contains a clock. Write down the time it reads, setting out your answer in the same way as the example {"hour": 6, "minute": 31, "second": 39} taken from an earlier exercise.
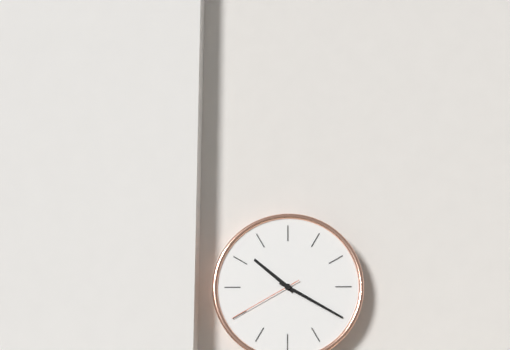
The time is {"hour": 10, "minute": 20, "second": 40}
